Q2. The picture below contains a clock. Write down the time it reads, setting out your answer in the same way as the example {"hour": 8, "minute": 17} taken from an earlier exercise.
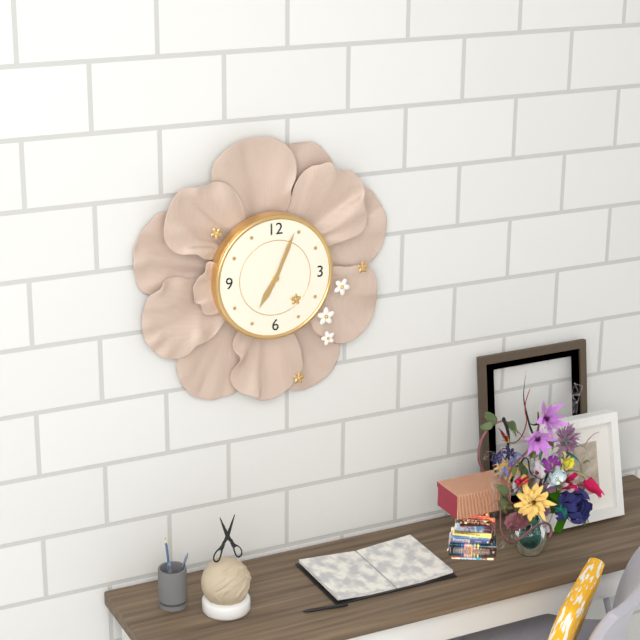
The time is {"hour": 7, "minute": 4}
